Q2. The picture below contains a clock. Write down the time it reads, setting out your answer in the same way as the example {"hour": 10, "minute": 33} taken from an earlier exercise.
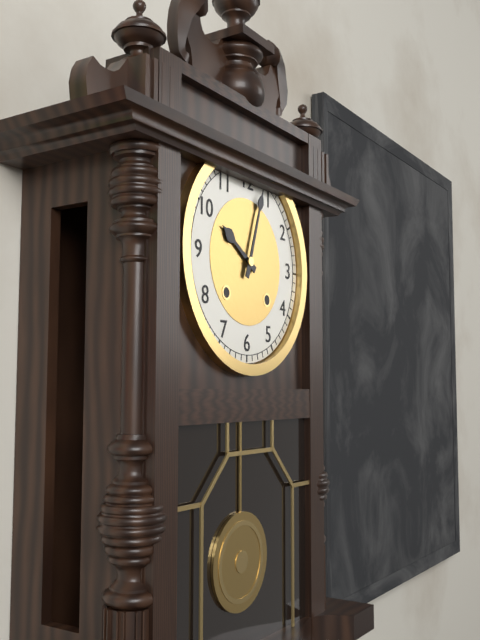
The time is {"hour": 10, "minute": 3}
